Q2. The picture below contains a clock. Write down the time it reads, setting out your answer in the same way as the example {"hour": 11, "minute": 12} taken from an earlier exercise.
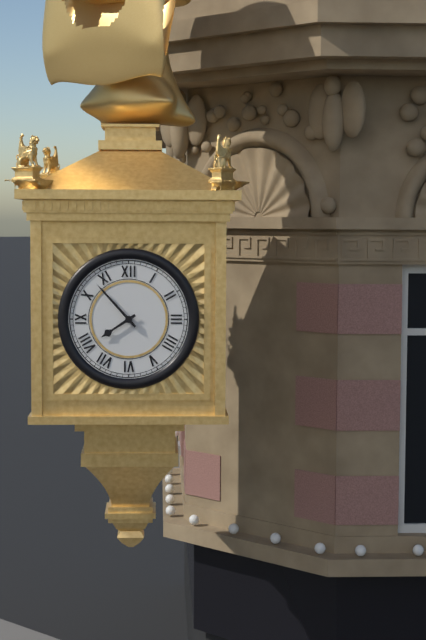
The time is {"hour": 7, "minute": 53}
